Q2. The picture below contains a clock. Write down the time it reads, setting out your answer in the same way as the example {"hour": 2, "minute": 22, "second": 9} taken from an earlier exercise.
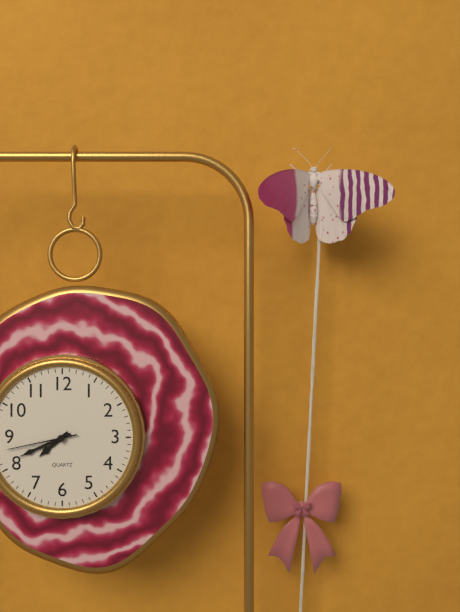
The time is {"hour": 7, "minute": 41, "second": 43}
